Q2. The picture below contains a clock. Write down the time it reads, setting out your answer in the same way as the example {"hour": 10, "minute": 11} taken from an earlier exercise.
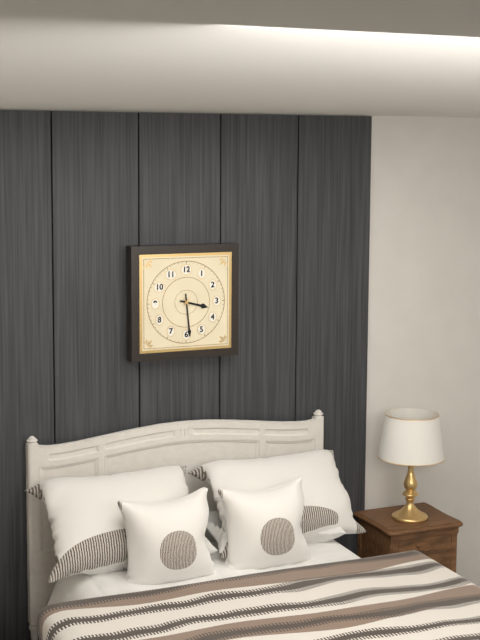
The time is {"hour": 3, "minute": 29}
